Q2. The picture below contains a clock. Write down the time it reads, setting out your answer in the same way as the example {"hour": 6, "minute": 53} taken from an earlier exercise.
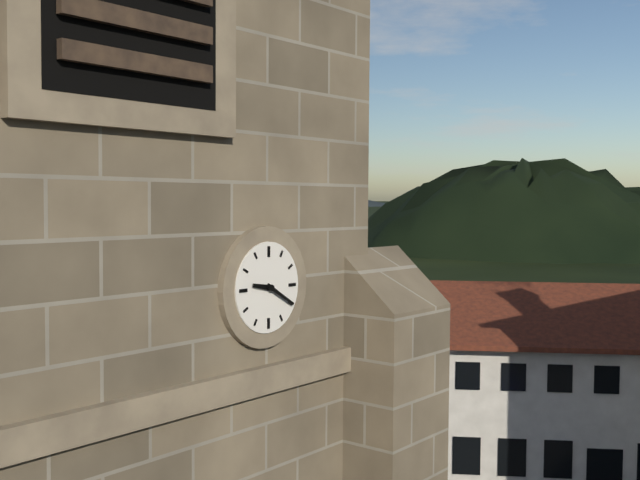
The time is {"hour": 9, "minute": 20}
